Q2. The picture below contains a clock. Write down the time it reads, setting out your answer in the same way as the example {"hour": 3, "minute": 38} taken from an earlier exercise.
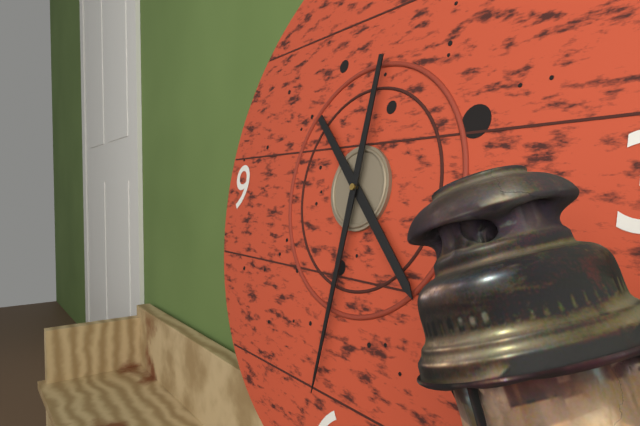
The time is {"hour": 4, "minute": 31}
